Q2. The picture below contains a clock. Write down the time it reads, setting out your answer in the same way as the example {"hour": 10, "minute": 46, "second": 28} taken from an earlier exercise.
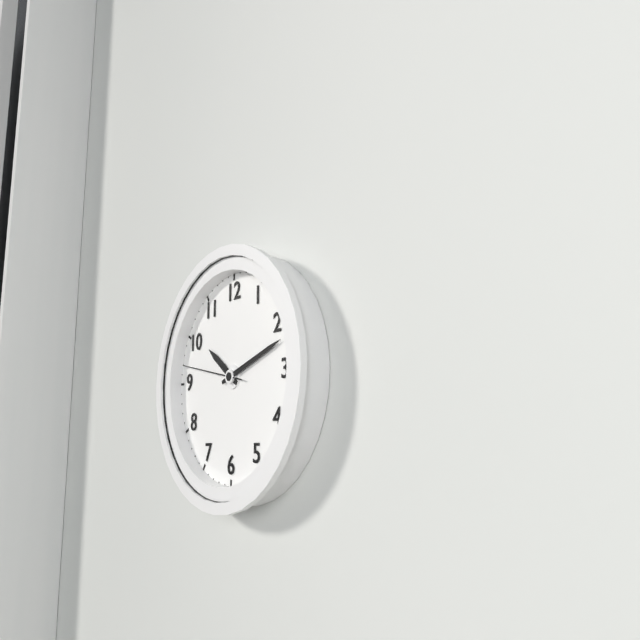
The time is {"hour": 10, "minute": 12, "second": 47}
